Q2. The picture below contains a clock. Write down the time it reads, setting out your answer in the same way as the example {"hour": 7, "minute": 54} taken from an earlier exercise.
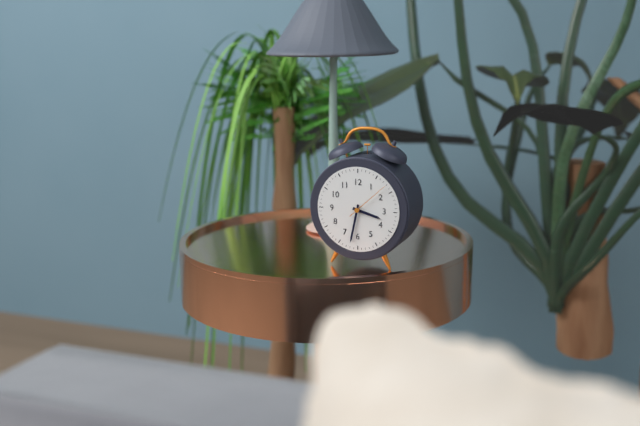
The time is {"hour": 3, "minute": 32}
